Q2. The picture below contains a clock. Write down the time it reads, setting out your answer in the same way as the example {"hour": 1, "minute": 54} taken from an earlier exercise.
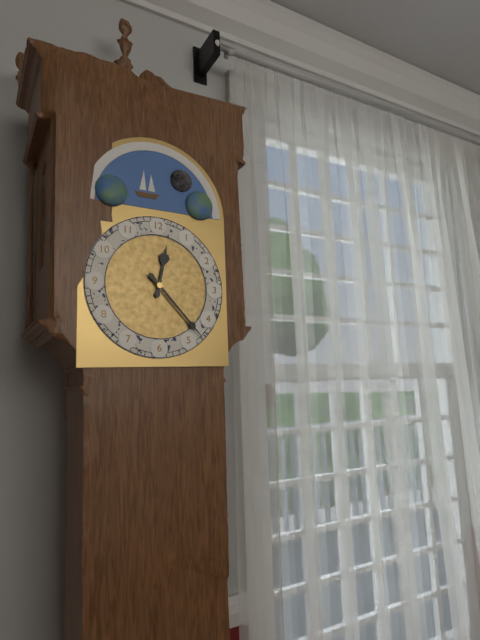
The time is {"hour": 12, "minute": 23}
